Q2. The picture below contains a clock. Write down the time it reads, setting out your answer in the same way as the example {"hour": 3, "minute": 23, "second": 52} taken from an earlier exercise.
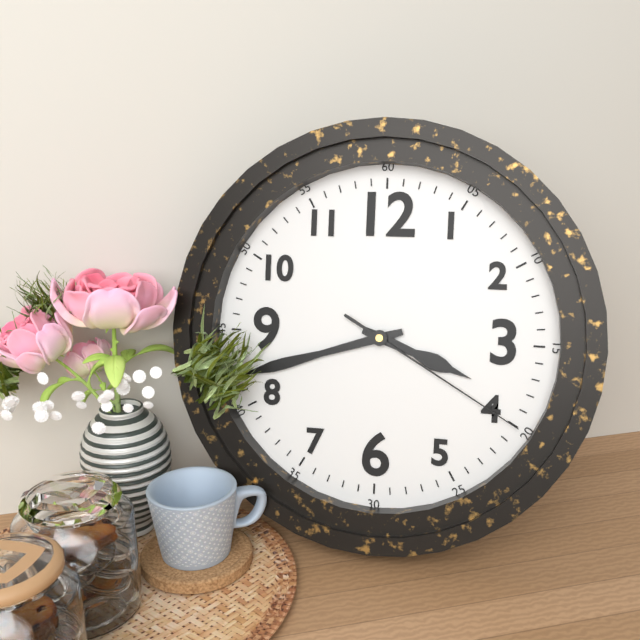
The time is {"hour": 3, "minute": 42, "second": 20}
